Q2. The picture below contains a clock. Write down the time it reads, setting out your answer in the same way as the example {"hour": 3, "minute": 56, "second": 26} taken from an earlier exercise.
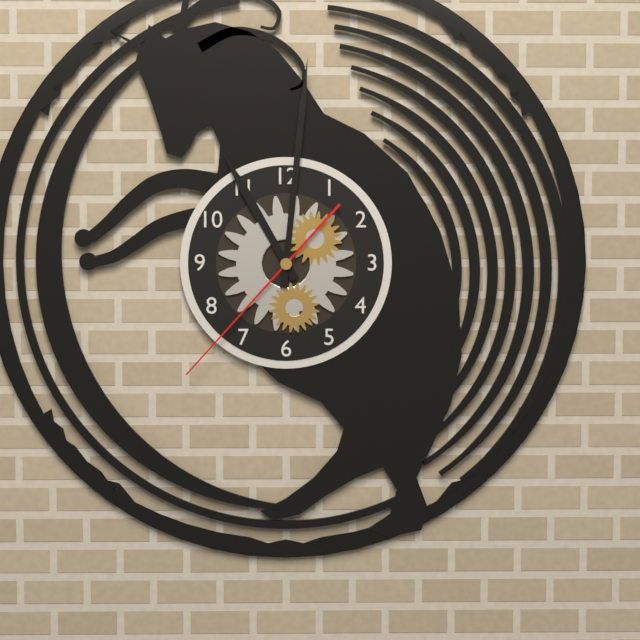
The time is {"hour": 11, "minute": 1, "second": 37}
